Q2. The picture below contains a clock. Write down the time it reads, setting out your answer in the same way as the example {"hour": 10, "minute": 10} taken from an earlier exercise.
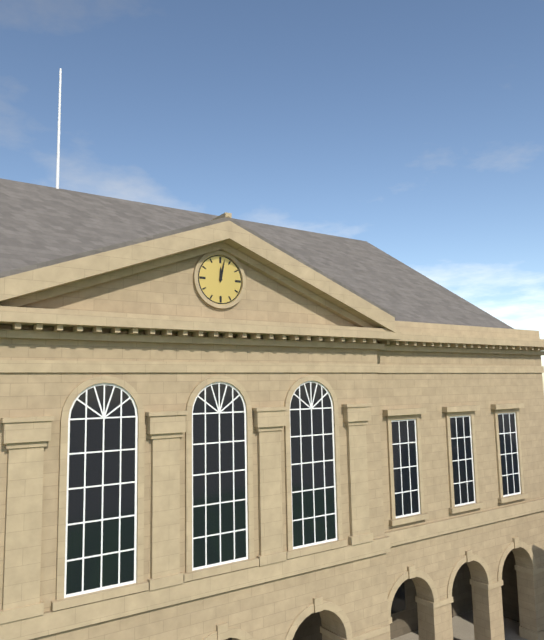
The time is {"hour": 12, "minute": 2}
